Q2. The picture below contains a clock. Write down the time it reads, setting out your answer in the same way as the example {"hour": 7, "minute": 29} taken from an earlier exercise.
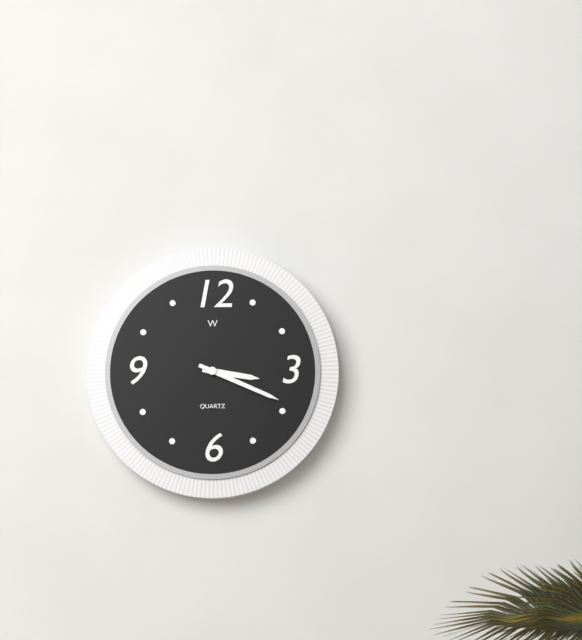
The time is {"hour": 3, "minute": 19}
